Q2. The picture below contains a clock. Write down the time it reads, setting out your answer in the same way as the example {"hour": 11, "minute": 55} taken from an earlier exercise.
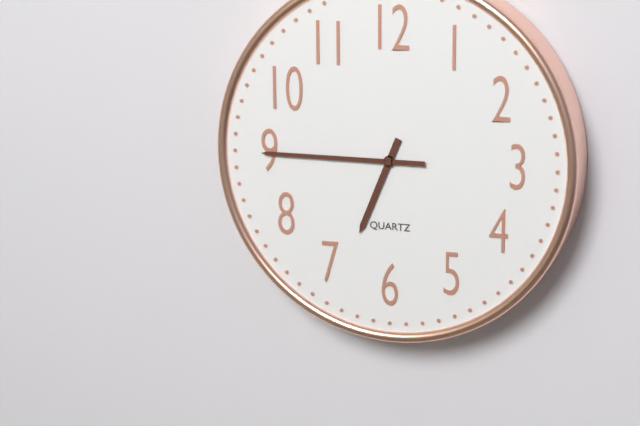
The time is {"hour": 6, "minute": 45}
